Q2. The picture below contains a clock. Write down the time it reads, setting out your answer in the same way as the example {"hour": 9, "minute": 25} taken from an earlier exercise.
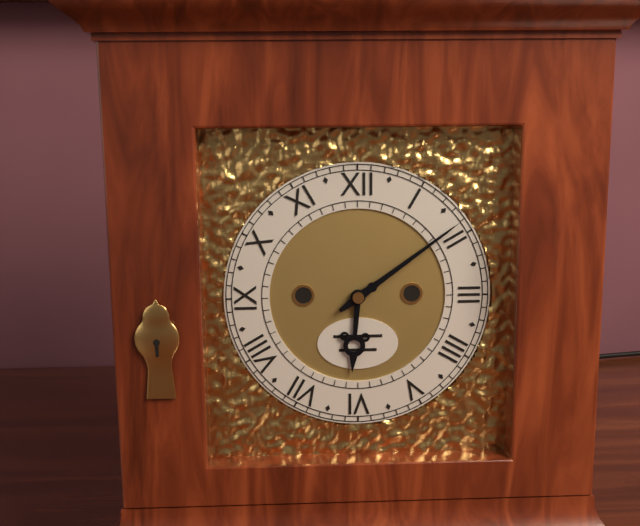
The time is {"hour": 6, "minute": 9}
